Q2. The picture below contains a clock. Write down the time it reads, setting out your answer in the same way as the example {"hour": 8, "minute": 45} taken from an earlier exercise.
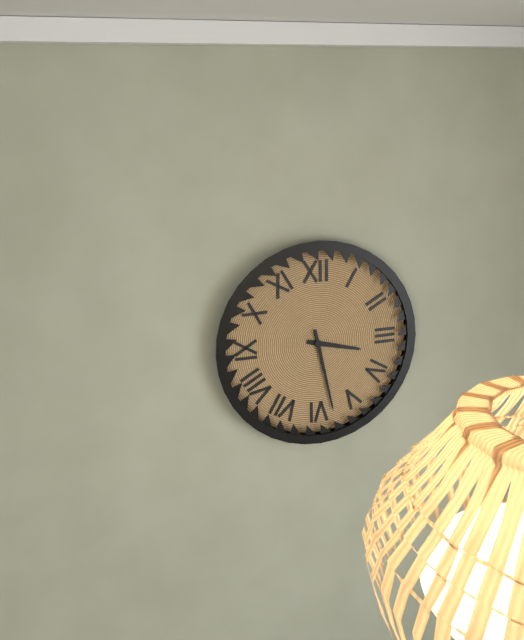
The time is {"hour": 3, "minute": 28}
